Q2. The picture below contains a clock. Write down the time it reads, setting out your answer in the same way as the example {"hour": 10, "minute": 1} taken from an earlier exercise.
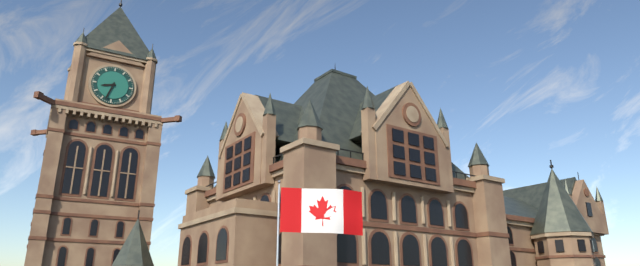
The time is {"hour": 8, "minute": 33}
